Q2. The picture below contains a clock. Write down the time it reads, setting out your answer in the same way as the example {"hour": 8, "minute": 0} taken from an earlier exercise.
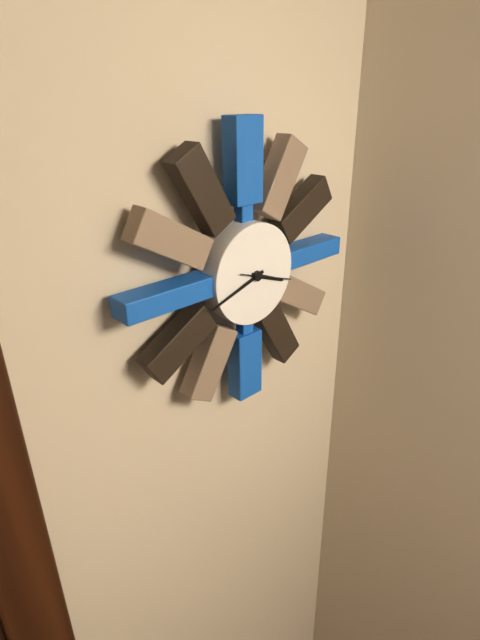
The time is {"hour": 3, "minute": 42}
